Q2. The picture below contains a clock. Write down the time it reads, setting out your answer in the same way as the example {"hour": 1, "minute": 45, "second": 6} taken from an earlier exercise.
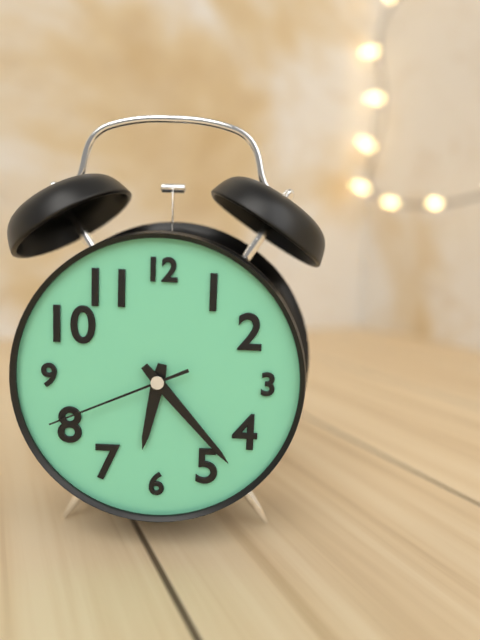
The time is {"hour": 6, "minute": 23, "second": 41}
